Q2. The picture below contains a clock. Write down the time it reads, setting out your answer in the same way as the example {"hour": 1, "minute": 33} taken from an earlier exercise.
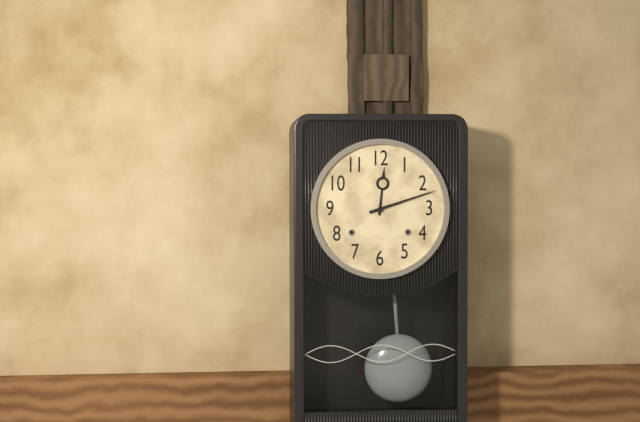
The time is {"hour": 12, "minute": 12}
